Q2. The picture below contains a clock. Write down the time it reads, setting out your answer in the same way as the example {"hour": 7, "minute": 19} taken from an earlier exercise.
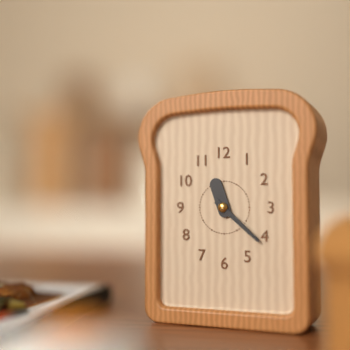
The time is {"hour": 11, "minute": 22}
